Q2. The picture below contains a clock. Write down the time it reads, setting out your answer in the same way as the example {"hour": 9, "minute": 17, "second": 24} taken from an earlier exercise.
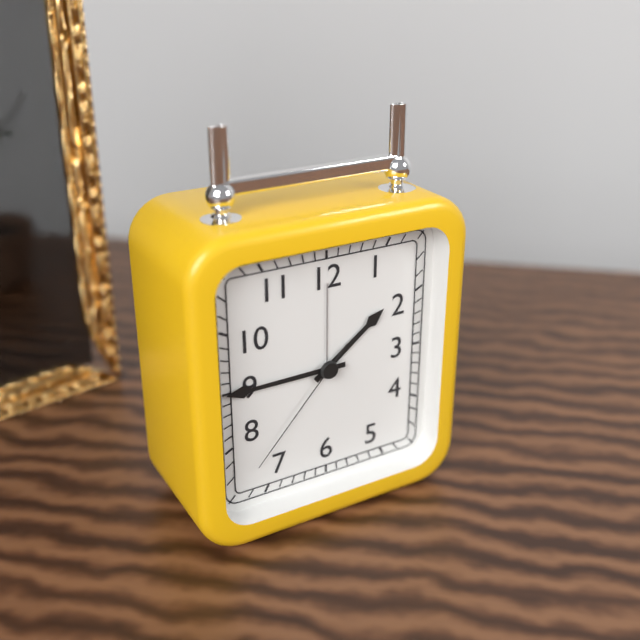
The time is {"hour": 1, "minute": 45, "second": 37}
